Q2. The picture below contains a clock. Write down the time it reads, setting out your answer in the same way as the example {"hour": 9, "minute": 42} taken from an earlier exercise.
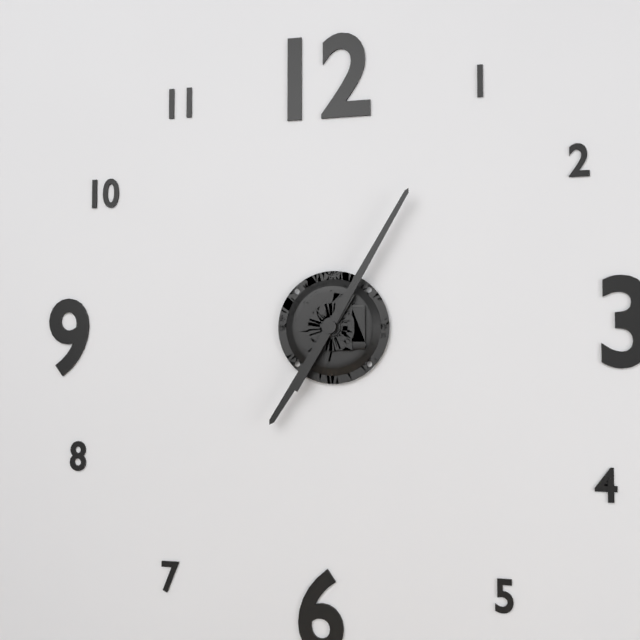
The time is {"hour": 7, "minute": 5}
